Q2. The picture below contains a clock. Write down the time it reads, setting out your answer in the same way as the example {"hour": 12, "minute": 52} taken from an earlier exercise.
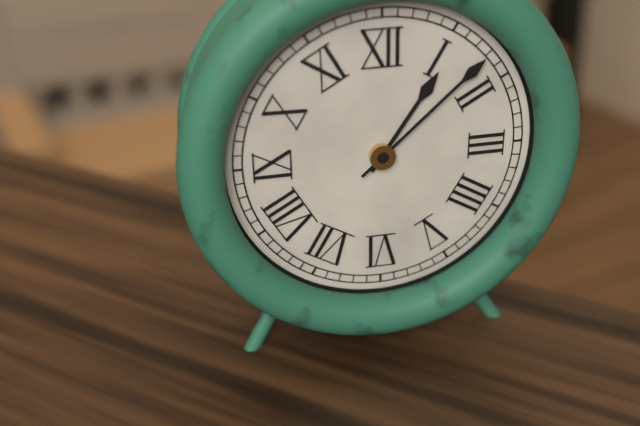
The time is {"hour": 1, "minute": 8}
